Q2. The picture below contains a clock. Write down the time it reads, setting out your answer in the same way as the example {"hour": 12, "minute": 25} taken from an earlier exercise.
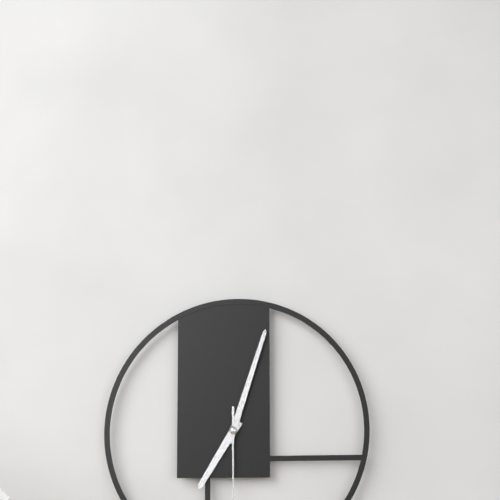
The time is {"hour": 7, "minute": 3}
